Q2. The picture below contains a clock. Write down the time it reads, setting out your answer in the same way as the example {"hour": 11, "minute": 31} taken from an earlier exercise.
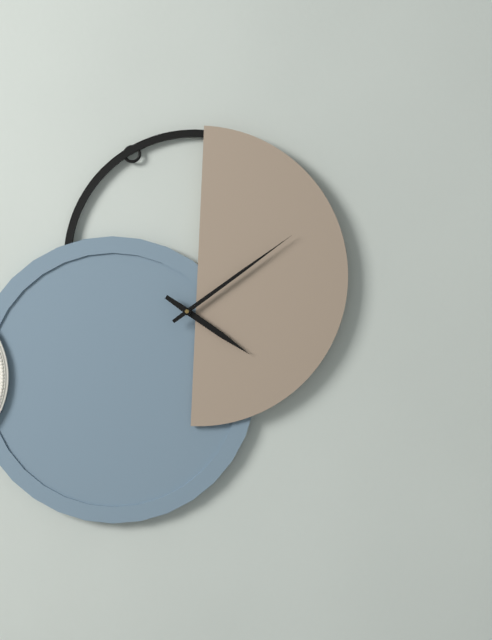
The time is {"hour": 4, "minute": 9}
